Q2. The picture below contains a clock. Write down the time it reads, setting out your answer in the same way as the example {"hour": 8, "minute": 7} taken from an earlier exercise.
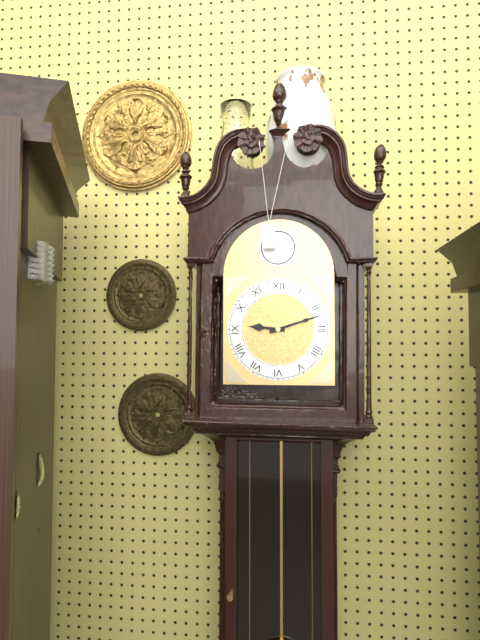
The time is {"hour": 9, "minute": 12}
